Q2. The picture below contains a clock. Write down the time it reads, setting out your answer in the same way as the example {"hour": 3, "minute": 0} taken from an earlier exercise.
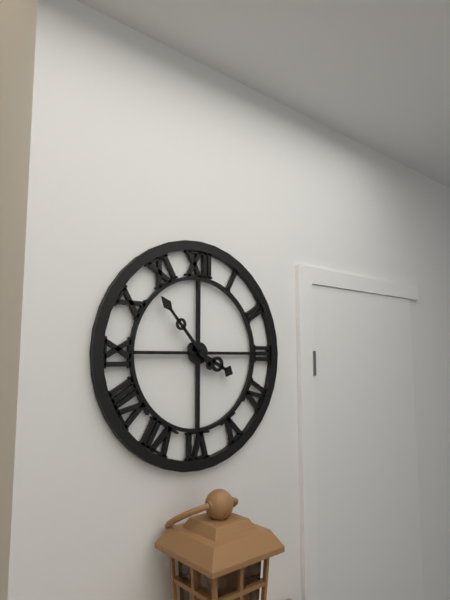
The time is {"hour": 3, "minute": 53}
